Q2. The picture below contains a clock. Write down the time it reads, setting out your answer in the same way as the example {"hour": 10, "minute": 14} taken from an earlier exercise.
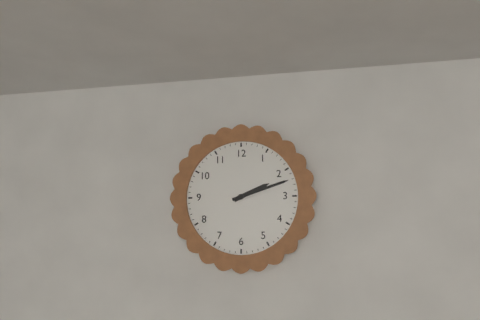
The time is {"hour": 2, "minute": 12}
